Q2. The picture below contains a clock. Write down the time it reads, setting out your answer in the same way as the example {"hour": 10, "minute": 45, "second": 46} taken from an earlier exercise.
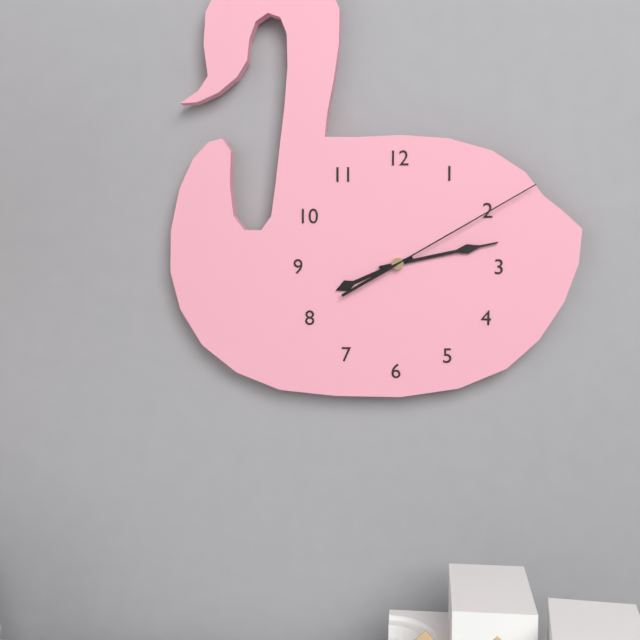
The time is {"hour": 8, "minute": 13, "second": 10}
